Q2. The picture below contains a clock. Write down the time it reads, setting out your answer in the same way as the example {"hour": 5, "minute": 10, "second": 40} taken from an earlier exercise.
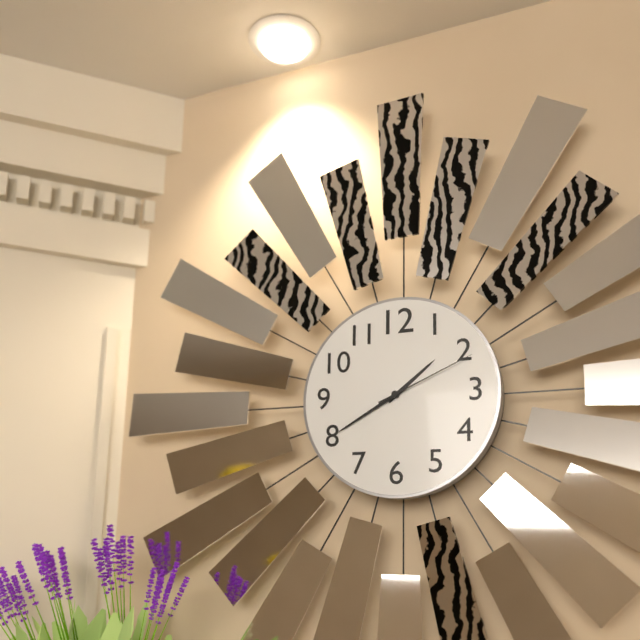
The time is {"hour": 1, "minute": 40, "second": 11}
